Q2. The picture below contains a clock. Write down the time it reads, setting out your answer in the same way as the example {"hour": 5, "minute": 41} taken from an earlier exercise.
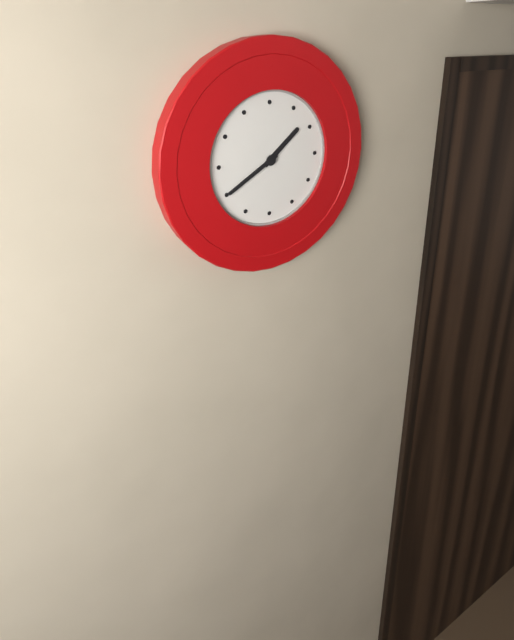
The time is {"hour": 1, "minute": 40}
